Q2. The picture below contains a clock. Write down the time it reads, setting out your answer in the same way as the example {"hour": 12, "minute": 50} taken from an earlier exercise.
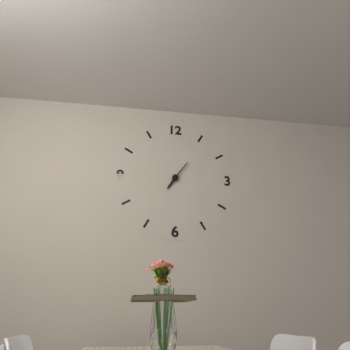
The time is {"hour": 7, "minute": 6}
